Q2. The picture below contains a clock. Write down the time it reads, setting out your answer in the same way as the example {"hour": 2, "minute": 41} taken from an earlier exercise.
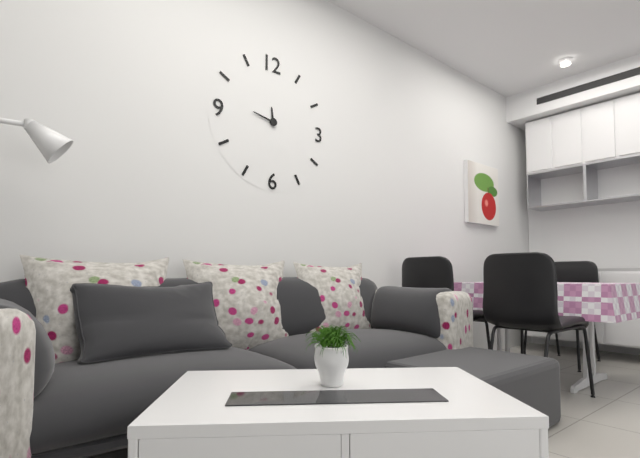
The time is {"hour": 11, "minute": 47}
